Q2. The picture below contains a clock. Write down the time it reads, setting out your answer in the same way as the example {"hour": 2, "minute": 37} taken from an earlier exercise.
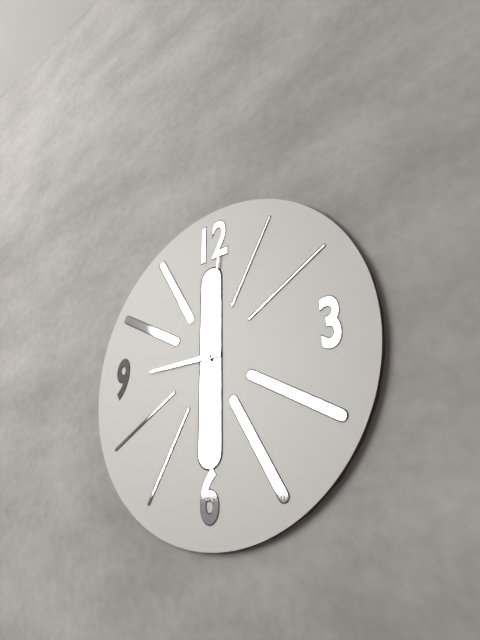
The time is {"hour": 9, "minute": 1}
